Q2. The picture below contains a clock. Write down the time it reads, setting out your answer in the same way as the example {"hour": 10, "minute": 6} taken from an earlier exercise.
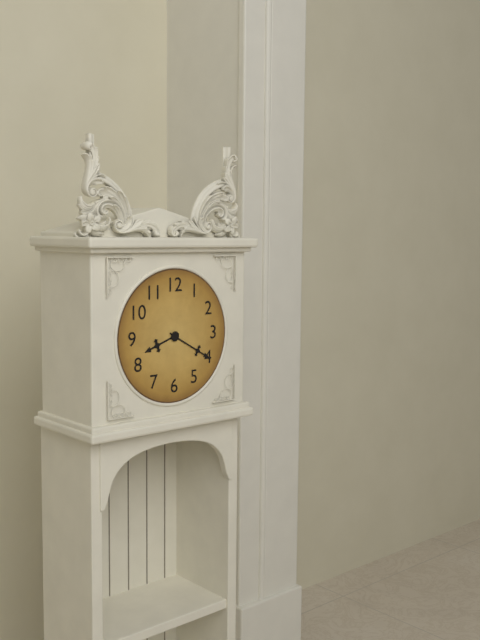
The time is {"hour": 8, "minute": 20}
